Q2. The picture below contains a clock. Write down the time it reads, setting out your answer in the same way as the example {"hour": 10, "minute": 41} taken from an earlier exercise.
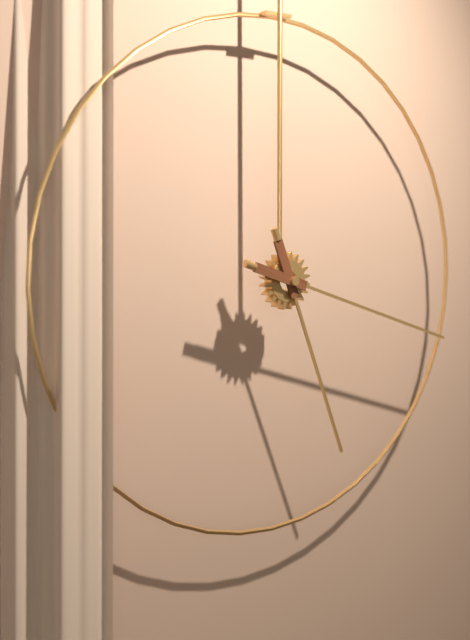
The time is {"hour": 5, "minute": 18}
